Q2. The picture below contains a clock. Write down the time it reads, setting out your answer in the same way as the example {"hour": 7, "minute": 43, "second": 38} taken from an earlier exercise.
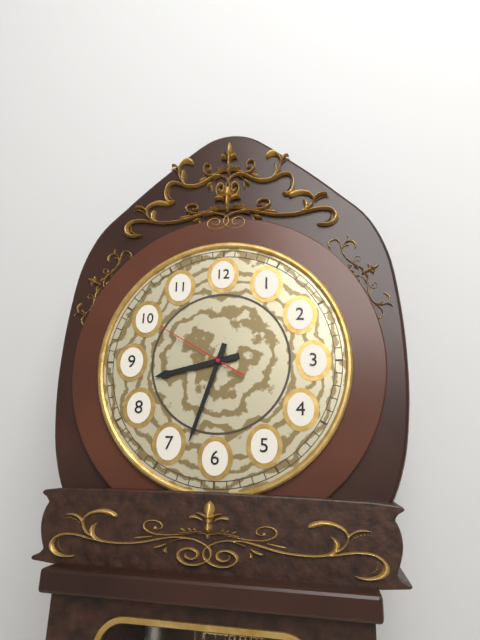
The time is {"hour": 8, "minute": 33, "second": 50}
